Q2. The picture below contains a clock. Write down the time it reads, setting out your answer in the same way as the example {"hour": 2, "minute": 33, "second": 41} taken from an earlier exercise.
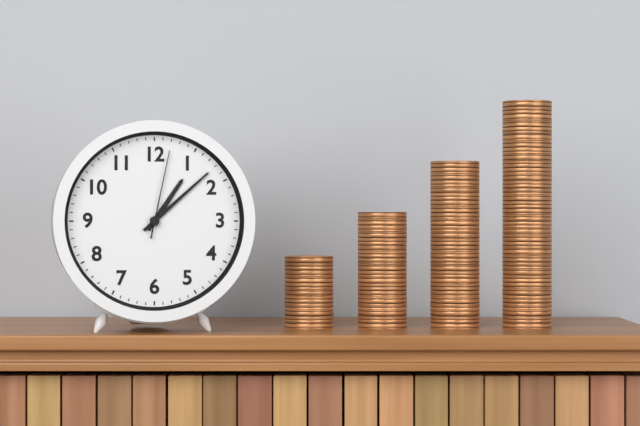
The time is {"hour": 1, "minute": 8, "second": 2}
